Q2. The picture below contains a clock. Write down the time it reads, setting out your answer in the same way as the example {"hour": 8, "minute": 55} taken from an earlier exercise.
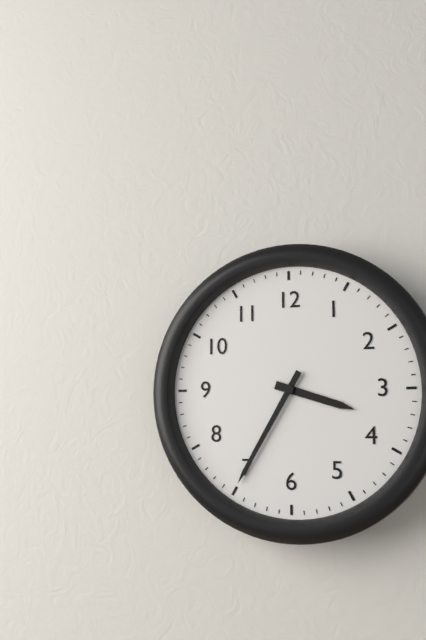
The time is {"hour": 3, "minute": 35}
